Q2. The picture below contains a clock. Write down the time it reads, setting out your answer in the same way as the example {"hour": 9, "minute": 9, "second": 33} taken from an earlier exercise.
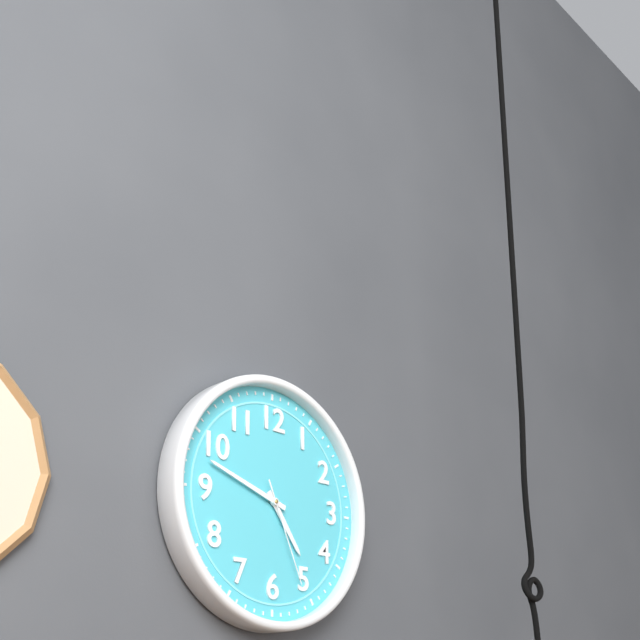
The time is {"hour": 4, "minute": 48, "second": 26}
